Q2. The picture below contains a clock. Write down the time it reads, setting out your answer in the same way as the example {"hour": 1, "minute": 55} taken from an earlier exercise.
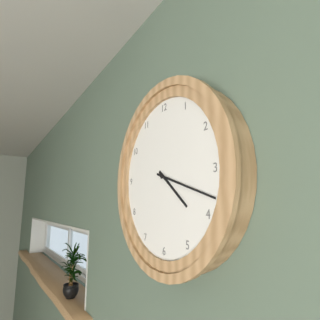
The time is {"hour": 4, "minute": 18}
